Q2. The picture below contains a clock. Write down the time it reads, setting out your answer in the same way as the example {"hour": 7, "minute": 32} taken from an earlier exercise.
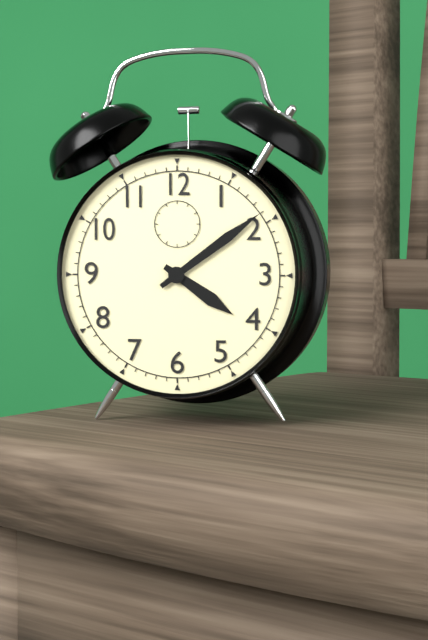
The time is {"hour": 4, "minute": 9}
